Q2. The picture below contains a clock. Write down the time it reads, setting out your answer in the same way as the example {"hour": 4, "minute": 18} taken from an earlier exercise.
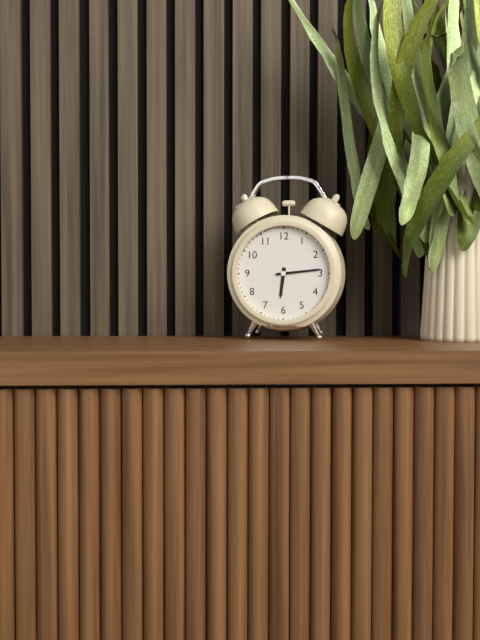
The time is {"hour": 6, "minute": 14}
